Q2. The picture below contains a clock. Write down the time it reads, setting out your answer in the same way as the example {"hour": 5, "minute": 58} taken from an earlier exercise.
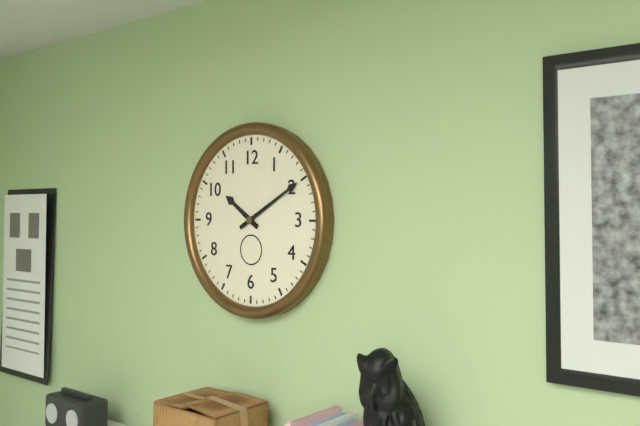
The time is {"hour": 10, "minute": 10}
